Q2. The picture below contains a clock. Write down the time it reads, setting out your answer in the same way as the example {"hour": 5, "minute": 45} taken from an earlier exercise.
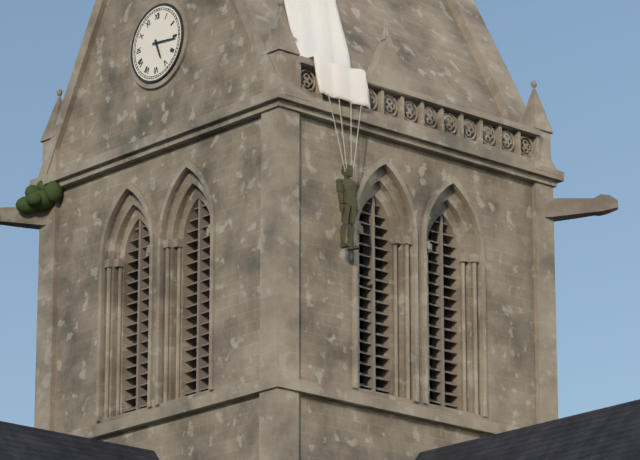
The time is {"hour": 5, "minute": 16}
